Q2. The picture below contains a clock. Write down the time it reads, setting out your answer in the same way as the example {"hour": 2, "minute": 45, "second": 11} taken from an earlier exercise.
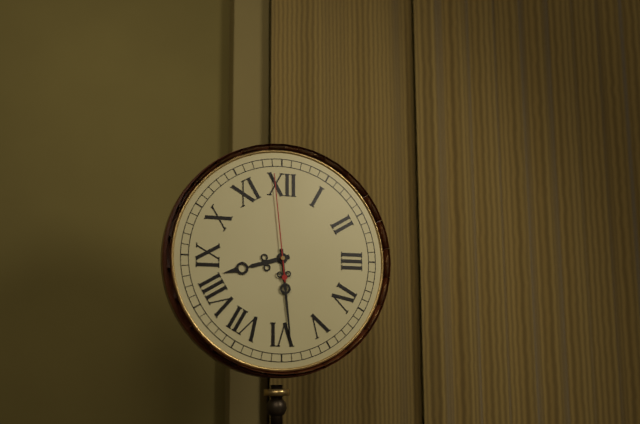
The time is {"hour": 8, "minute": 29, "second": 59}
